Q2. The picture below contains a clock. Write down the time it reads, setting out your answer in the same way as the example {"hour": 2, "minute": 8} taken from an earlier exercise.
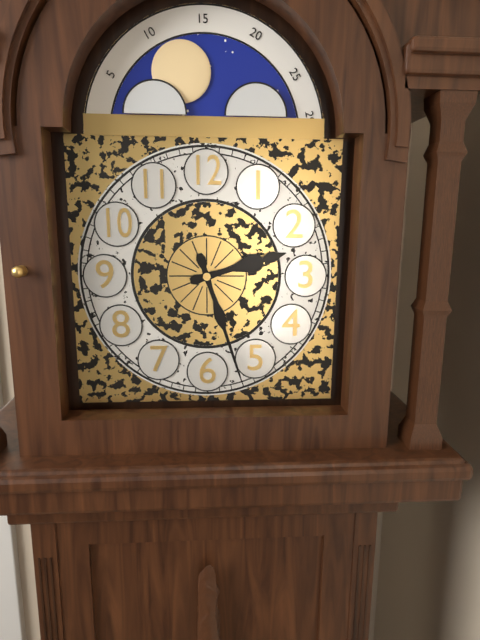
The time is {"hour": 2, "minute": 27}
